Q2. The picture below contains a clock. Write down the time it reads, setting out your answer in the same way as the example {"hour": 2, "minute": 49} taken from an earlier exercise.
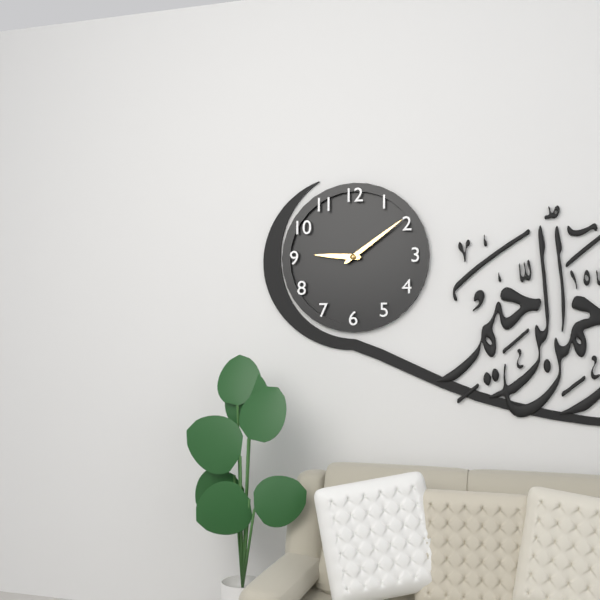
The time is {"hour": 9, "minute": 9}
